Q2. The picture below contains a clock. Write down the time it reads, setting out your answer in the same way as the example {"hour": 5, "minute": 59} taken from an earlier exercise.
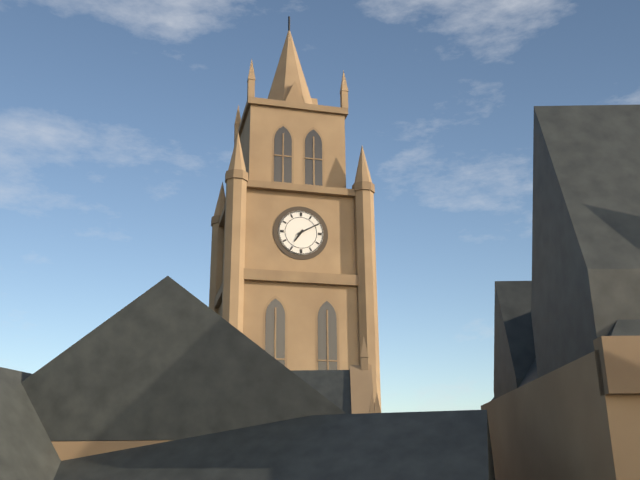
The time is {"hour": 7, "minute": 10}
